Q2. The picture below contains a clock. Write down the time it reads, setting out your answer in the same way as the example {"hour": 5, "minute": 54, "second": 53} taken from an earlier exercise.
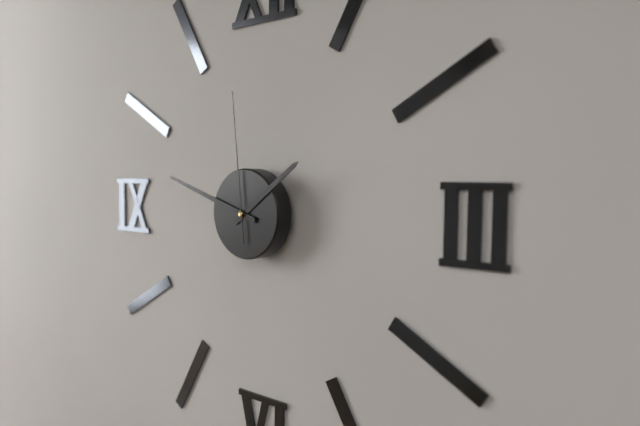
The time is {"hour": 1, "minute": 48, "second": 59}
